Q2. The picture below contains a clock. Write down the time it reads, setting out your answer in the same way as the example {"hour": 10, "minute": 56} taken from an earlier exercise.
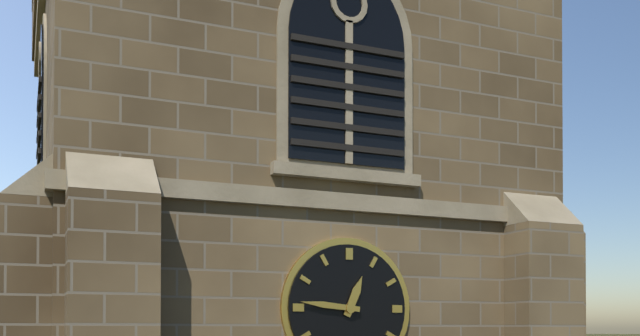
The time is {"hour": 12, "minute": 46}
